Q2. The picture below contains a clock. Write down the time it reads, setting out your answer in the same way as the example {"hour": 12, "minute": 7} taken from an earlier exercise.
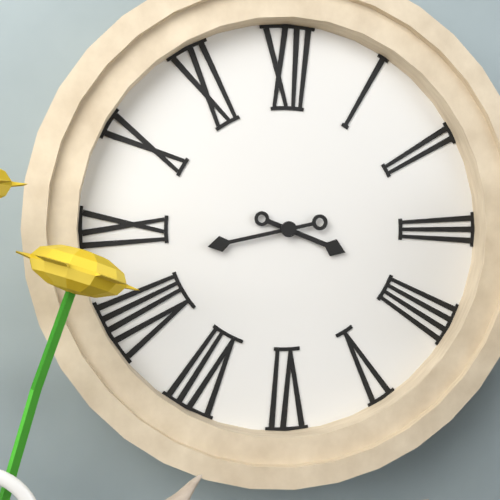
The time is {"hour": 3, "minute": 43}
